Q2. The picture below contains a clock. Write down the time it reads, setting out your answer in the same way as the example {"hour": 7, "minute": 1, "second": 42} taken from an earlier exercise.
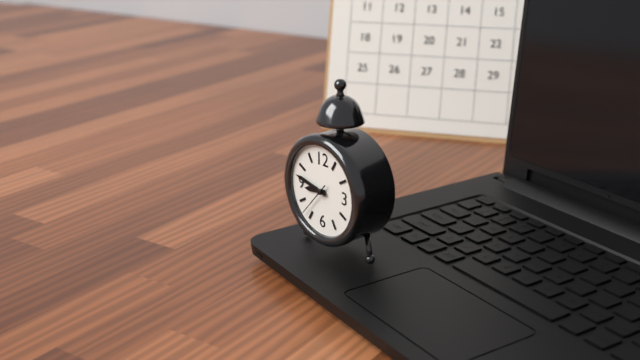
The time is {"hour": 8, "minute": 47, "second": 37}
